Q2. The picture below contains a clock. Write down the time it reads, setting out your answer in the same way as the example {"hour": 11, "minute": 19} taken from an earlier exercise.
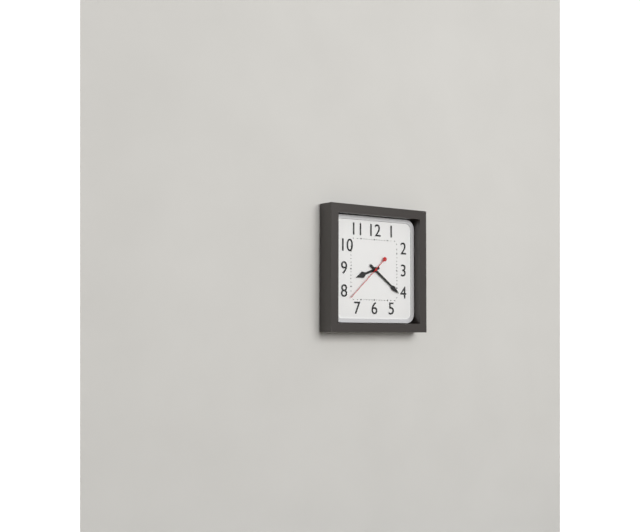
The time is {"hour": 8, "minute": 21}
